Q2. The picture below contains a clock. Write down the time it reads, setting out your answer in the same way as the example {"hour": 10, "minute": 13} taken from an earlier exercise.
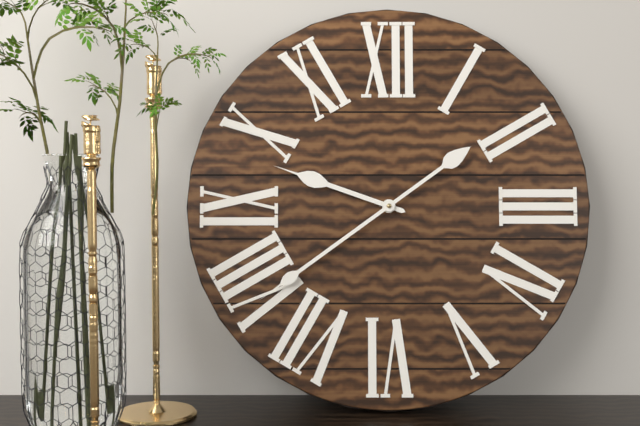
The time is {"hour": 9, "minute": 39}
